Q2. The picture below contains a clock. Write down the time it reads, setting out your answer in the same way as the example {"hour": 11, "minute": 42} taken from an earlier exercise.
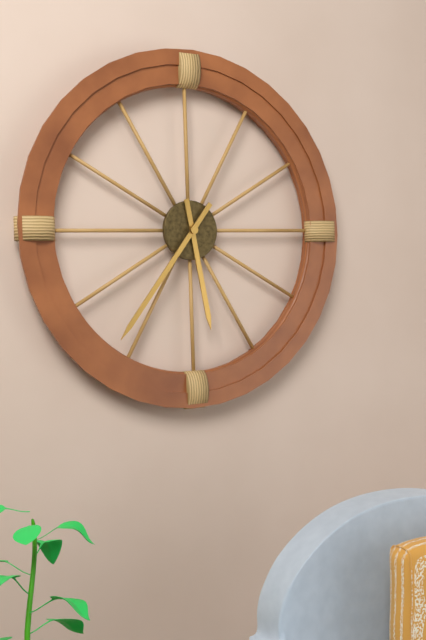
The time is {"hour": 5, "minute": 36}
